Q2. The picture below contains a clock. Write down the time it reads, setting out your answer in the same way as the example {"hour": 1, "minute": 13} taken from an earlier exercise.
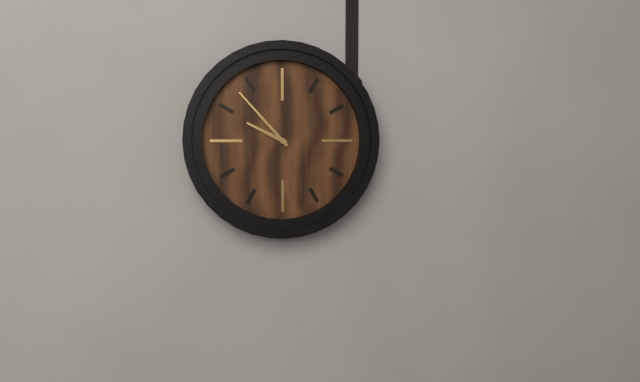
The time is {"hour": 9, "minute": 53}
